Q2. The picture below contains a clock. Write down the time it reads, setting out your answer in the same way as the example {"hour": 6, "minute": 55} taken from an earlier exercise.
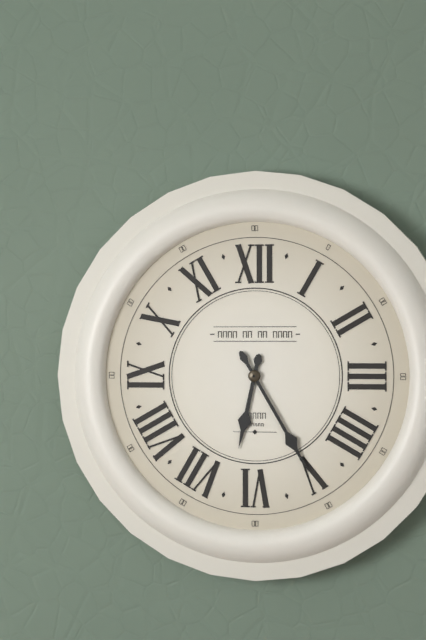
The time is {"hour": 6, "minute": 25}
